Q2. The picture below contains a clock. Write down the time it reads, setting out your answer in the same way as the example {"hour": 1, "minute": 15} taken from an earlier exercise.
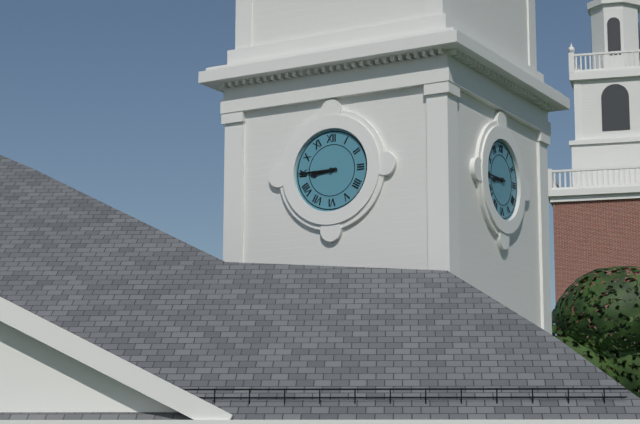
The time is {"hour": 8, "minute": 45}
